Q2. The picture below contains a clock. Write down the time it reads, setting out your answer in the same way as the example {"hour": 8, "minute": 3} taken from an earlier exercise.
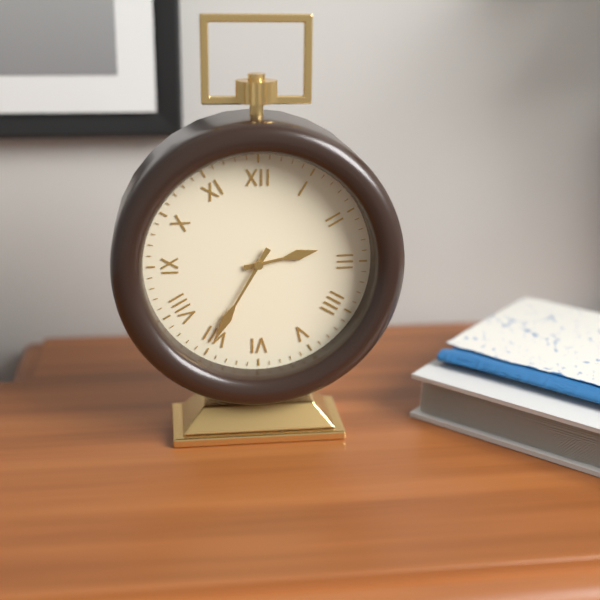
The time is {"hour": 2, "minute": 35}
